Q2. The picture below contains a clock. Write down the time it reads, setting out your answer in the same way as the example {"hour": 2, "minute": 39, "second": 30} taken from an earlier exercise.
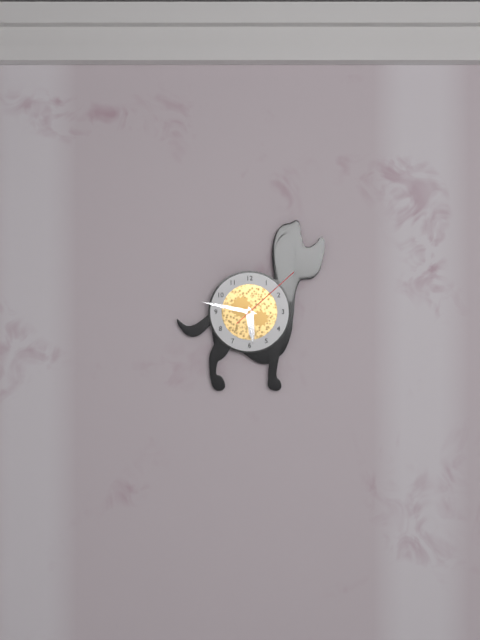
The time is {"hour": 5, "minute": 47, "second": 8}
